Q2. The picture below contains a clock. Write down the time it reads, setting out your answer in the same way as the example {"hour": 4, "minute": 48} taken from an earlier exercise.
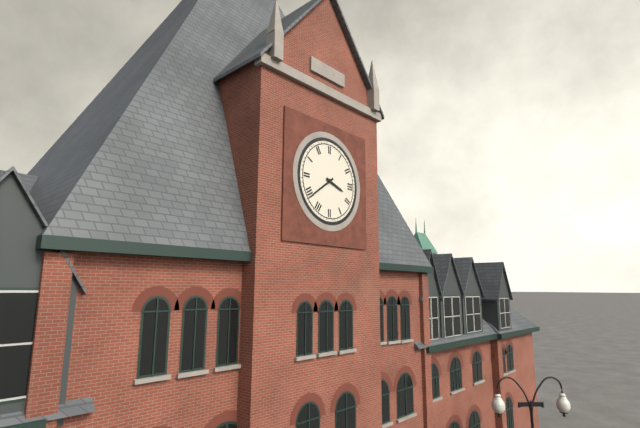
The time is {"hour": 3, "minute": 39}
